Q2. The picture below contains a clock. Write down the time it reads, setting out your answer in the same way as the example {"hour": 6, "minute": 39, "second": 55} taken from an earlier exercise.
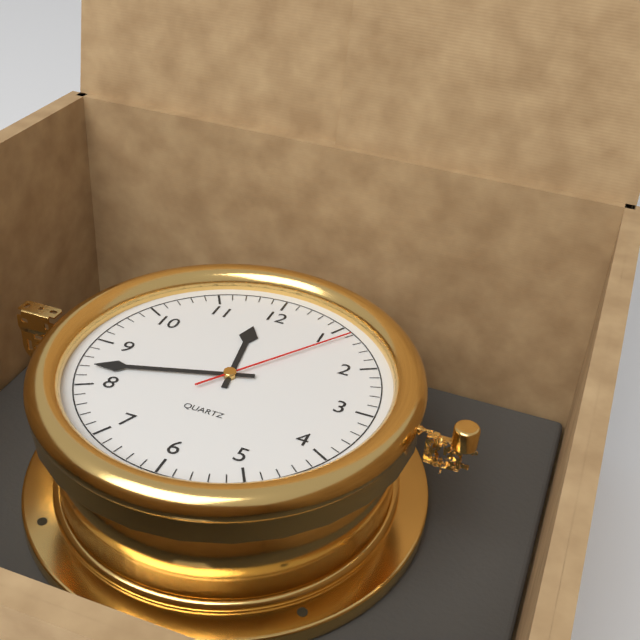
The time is {"hour": 11, "minute": 42, "second": 6}
